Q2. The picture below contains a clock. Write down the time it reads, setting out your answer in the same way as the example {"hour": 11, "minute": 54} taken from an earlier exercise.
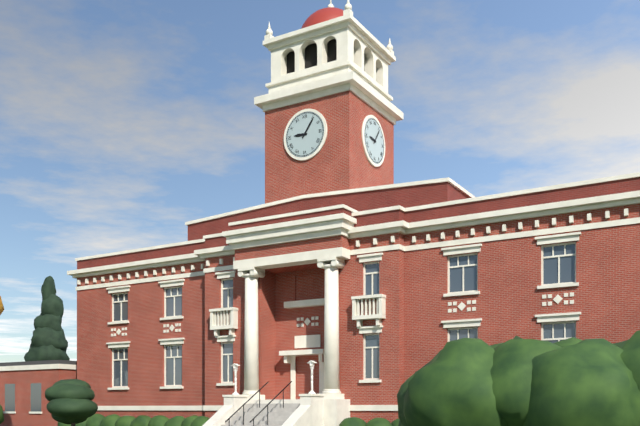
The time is {"hour": 9, "minute": 6}
